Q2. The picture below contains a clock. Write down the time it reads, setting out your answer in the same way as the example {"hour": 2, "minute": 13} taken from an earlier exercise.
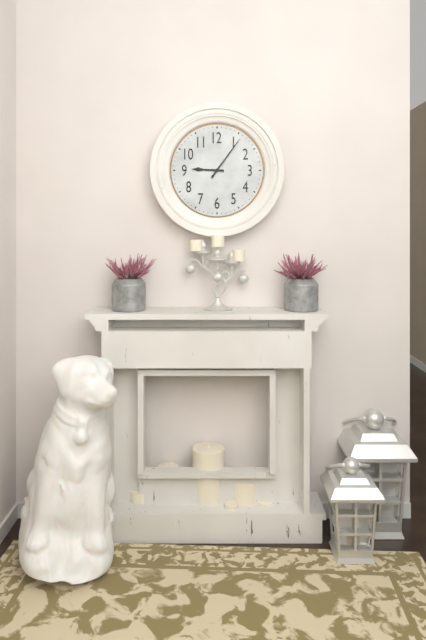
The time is {"hour": 9, "minute": 6}
